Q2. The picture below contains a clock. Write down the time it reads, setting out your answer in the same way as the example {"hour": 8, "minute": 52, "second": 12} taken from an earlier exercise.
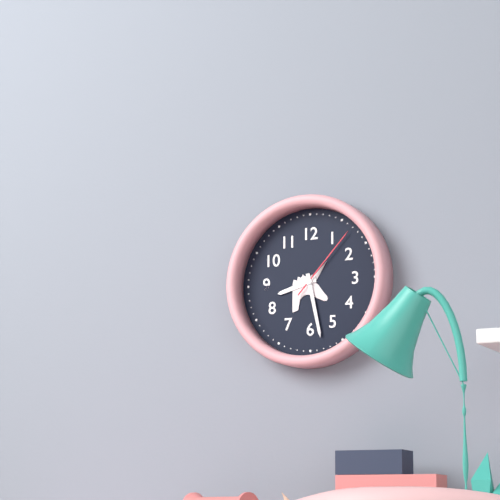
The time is {"hour": 8, "minute": 28, "second": 7}
